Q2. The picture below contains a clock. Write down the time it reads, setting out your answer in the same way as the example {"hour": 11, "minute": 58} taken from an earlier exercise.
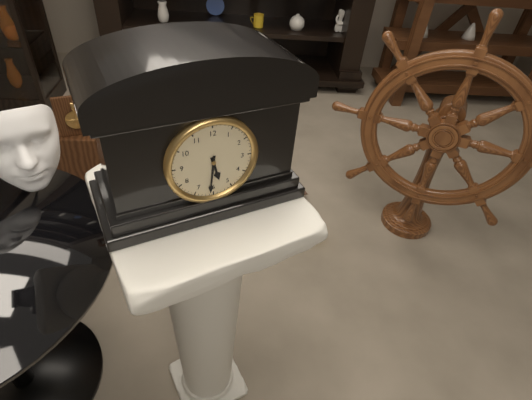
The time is {"hour": 5, "minute": 31}
